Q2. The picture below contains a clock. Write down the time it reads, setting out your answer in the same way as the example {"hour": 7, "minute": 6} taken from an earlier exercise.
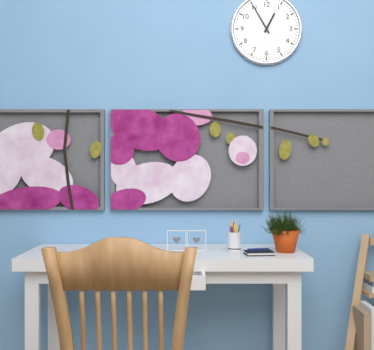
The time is {"hour": 12, "minute": 55}
